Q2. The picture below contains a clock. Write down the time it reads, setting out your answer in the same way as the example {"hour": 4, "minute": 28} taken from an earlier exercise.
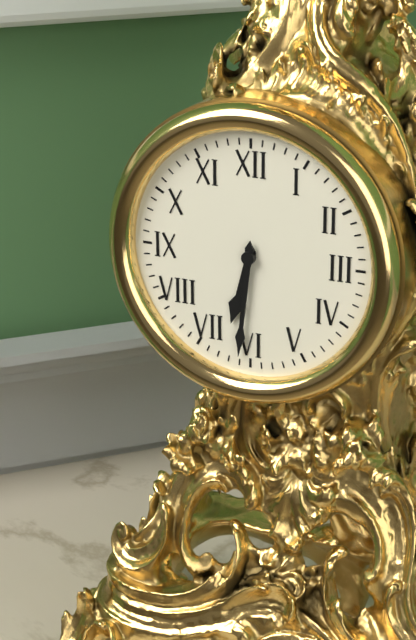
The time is {"hour": 6, "minute": 31}
